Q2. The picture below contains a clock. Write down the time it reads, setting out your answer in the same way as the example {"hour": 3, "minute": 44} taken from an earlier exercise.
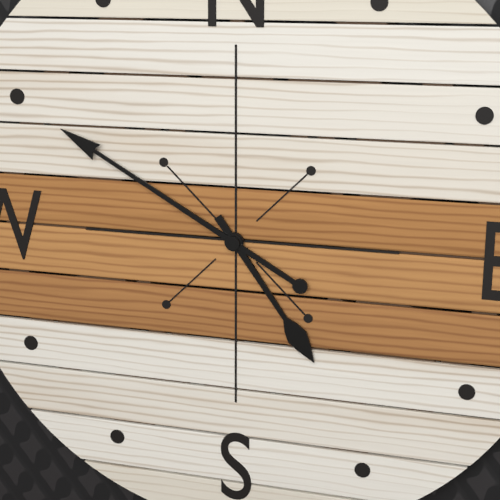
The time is {"hour": 4, "minute": 50}
